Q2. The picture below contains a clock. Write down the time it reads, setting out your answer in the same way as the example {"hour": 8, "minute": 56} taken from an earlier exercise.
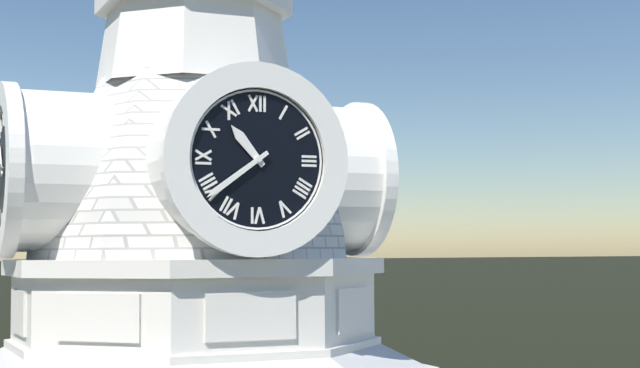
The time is {"hour": 10, "minute": 39}
